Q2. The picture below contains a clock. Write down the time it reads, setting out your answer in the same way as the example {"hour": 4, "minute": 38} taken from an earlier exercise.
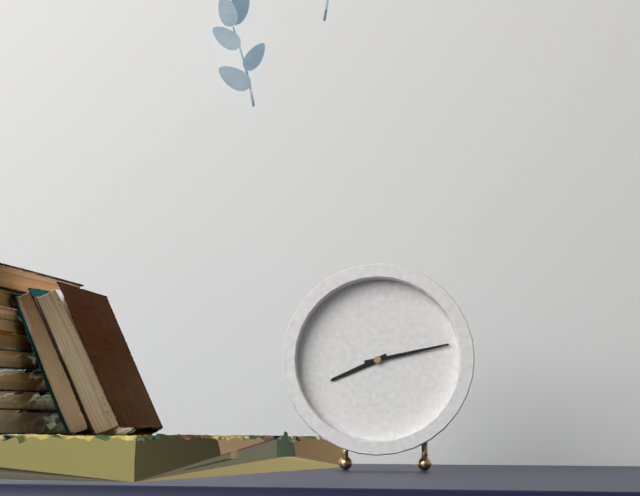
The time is {"hour": 8, "minute": 13}
